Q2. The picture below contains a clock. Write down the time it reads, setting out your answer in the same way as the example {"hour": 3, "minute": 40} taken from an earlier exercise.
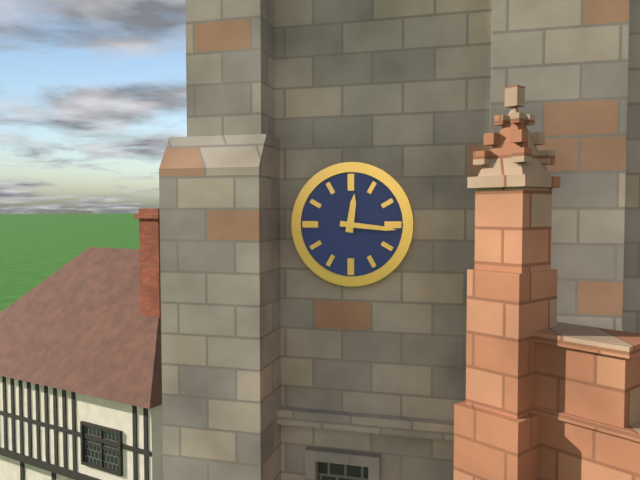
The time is {"hour": 12, "minute": 16}
